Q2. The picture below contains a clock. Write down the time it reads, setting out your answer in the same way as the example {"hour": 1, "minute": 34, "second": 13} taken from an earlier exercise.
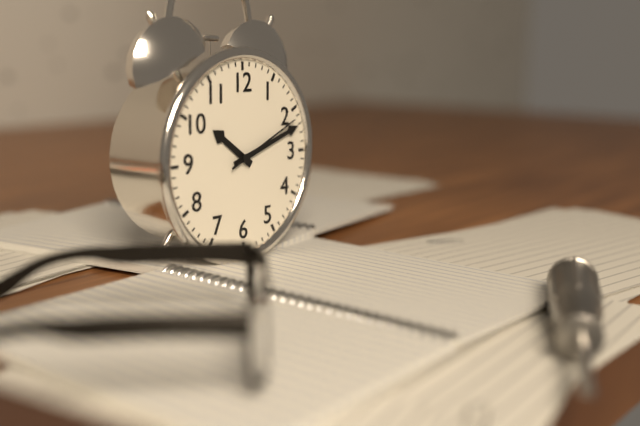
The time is {"hour": 10, "minute": 12, "second": 11}
